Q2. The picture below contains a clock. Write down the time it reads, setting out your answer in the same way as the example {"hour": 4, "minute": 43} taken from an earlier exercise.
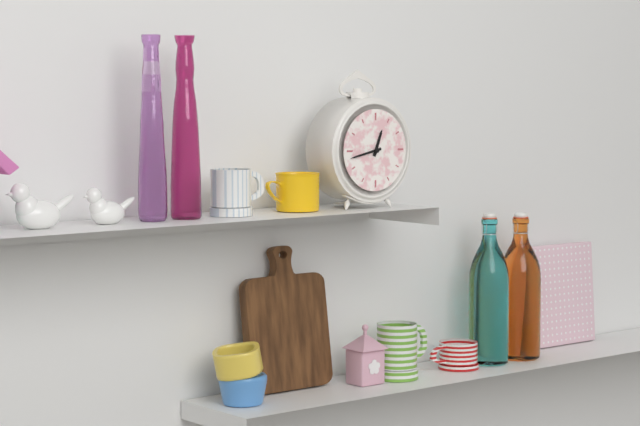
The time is {"hour": 12, "minute": 43}
